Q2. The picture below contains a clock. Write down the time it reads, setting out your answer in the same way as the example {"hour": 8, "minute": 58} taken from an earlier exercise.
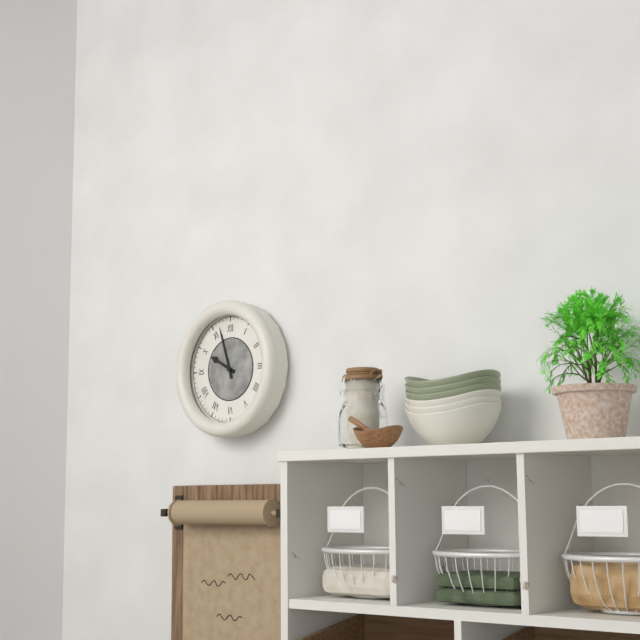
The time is {"hour": 9, "minute": 57}
